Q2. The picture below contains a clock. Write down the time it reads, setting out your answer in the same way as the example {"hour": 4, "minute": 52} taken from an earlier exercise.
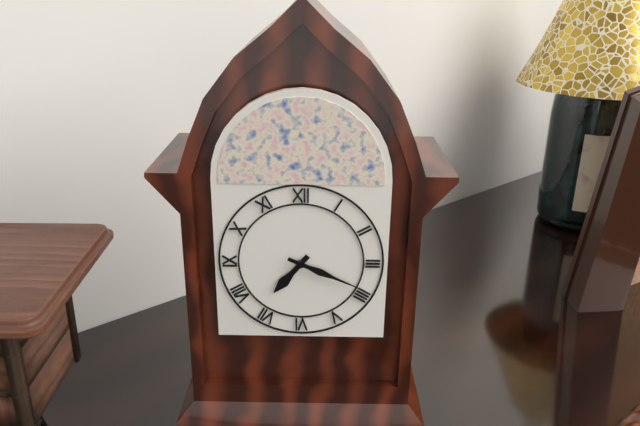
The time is {"hour": 7, "minute": 19}
